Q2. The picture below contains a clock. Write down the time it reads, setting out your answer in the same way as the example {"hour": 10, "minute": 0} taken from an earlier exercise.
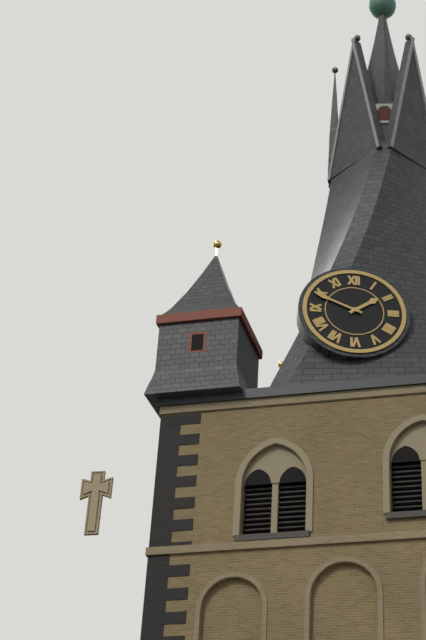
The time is {"hour": 1, "minute": 49}
